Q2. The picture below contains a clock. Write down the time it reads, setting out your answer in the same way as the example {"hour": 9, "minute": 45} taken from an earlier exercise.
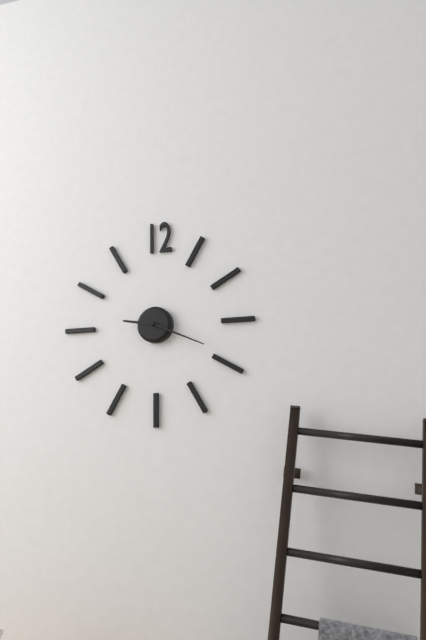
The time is {"hour": 9, "minute": 19}
